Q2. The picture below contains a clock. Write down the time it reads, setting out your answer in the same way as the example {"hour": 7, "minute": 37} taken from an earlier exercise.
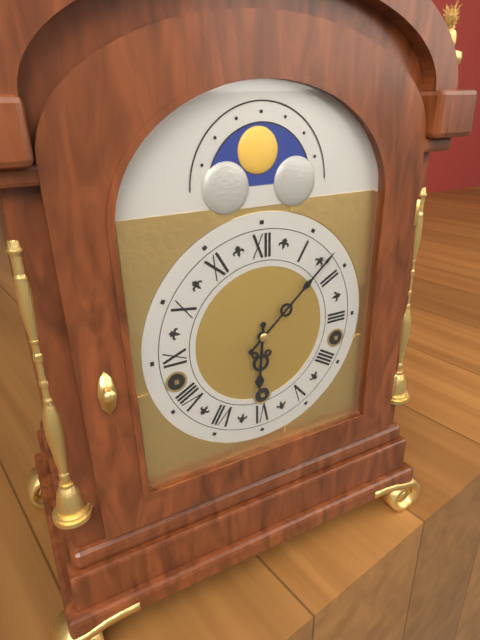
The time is {"hour": 6, "minute": 8}
